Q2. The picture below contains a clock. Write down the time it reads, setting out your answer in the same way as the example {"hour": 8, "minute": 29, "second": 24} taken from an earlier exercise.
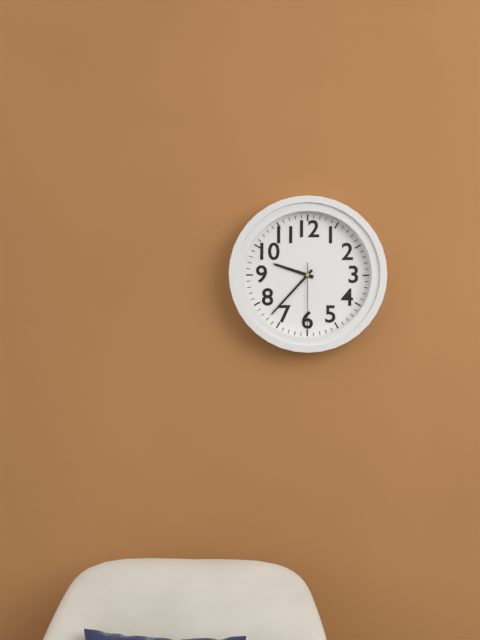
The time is {"hour": 9, "minute": 37, "second": 30}
